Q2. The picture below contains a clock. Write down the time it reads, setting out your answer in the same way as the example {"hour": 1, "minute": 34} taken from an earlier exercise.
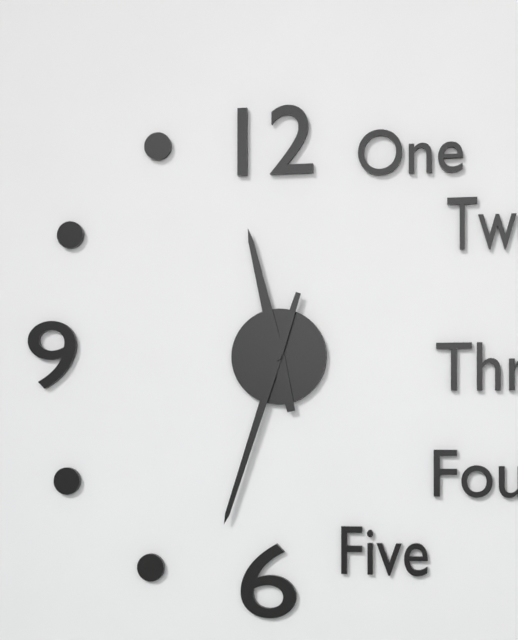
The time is {"hour": 11, "minute": 33}
